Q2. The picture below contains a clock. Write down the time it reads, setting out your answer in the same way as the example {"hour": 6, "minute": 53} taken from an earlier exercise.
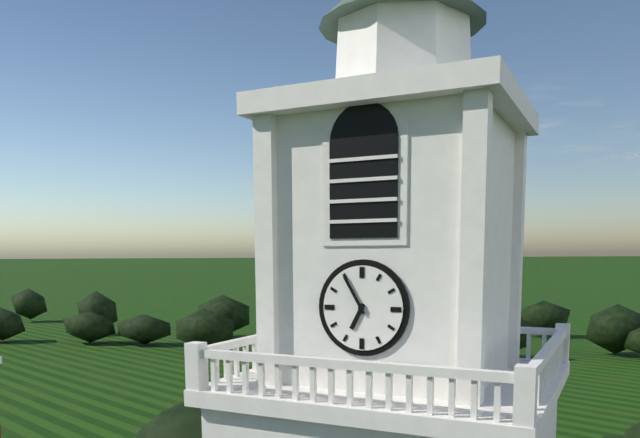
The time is {"hour": 6, "minute": 55}
